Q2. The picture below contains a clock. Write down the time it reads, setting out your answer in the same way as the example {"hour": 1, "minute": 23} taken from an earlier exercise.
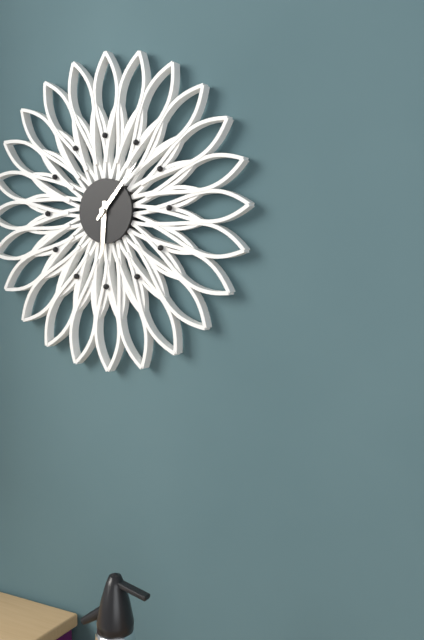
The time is {"hour": 6, "minute": 7}
